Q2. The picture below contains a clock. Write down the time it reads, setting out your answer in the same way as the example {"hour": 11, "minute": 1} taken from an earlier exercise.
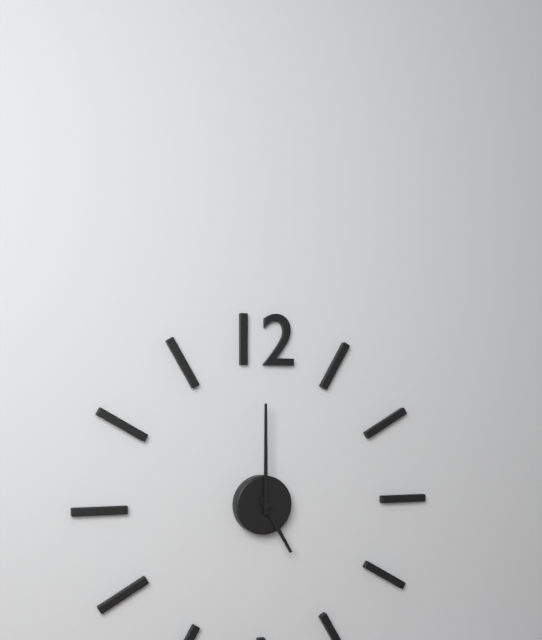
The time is {"hour": 5, "minute": 0}
